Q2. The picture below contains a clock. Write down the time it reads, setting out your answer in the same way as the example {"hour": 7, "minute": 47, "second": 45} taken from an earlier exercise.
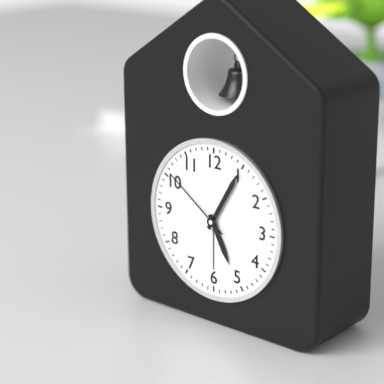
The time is {"hour": 5, "minute": 5, "second": 51}
